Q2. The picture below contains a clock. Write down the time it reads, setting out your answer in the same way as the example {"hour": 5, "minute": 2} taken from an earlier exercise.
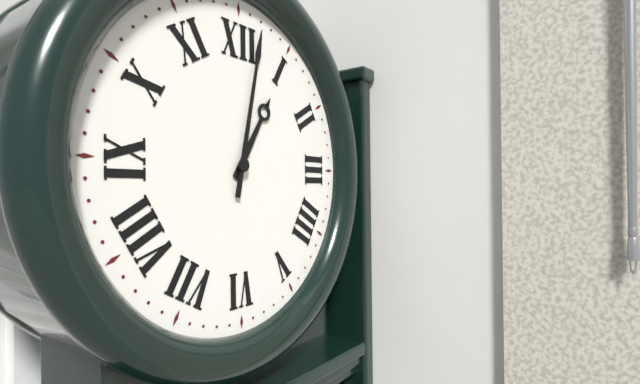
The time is {"hour": 1, "minute": 2}
